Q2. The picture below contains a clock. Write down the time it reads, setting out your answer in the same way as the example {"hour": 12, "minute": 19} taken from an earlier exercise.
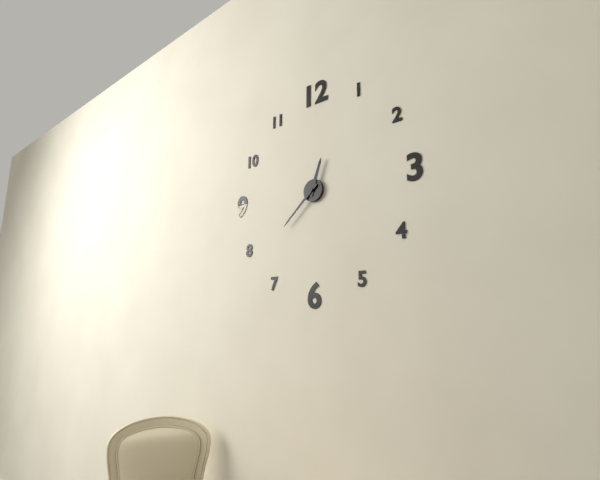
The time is {"hour": 12, "minute": 38}
